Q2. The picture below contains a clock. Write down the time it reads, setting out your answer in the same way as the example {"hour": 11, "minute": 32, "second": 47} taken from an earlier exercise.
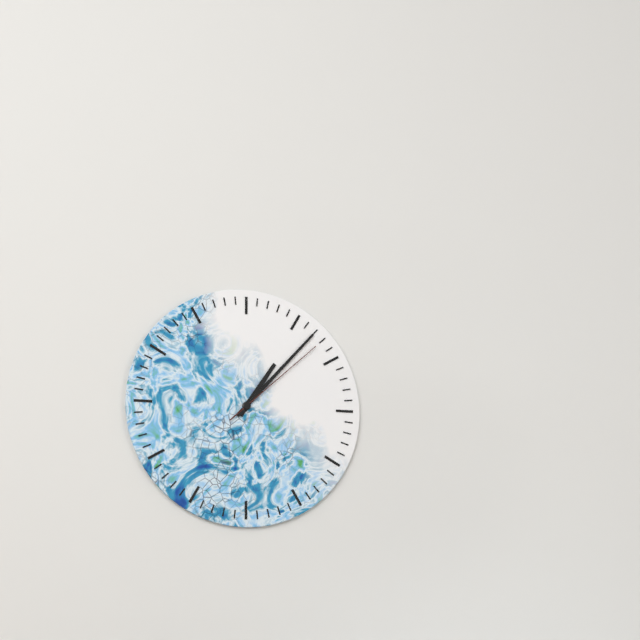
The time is {"hour": 1, "minute": 7, "second": 8}
